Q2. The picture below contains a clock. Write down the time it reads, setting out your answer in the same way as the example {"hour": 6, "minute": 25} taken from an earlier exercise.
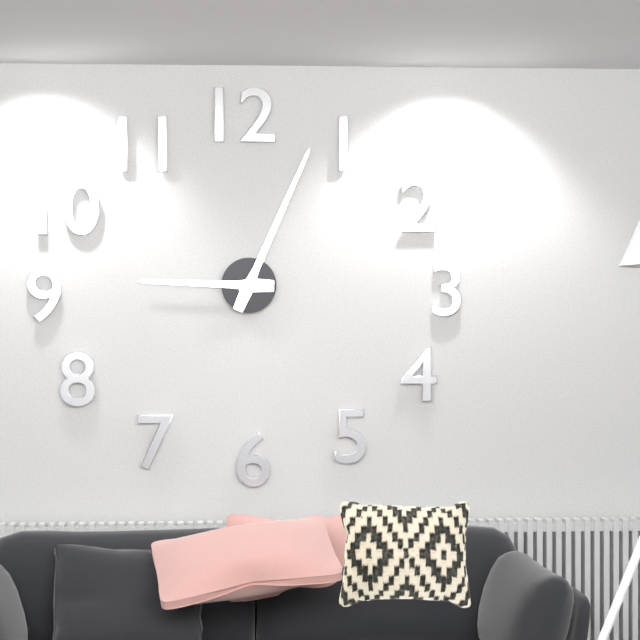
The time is {"hour": 9, "minute": 4}
